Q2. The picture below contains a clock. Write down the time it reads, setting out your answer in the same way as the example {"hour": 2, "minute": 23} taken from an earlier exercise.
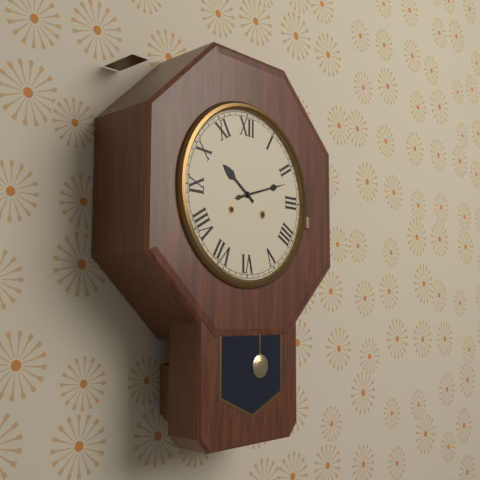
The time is {"hour": 10, "minute": 12}
